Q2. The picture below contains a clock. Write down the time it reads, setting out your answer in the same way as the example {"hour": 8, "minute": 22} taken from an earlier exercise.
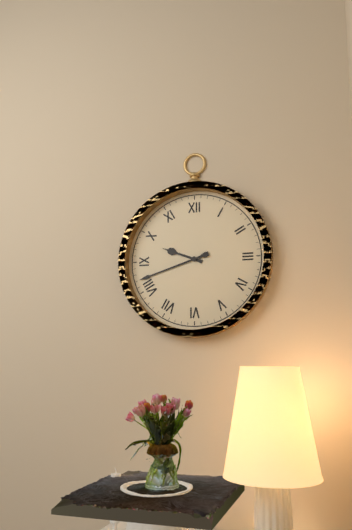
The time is {"hour": 9, "minute": 42}
